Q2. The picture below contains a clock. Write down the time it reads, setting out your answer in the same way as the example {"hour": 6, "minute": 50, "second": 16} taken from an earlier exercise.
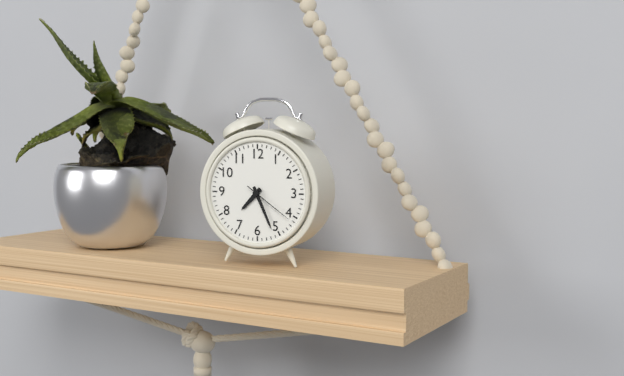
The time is {"hour": 7, "minute": 26, "second": 21}
